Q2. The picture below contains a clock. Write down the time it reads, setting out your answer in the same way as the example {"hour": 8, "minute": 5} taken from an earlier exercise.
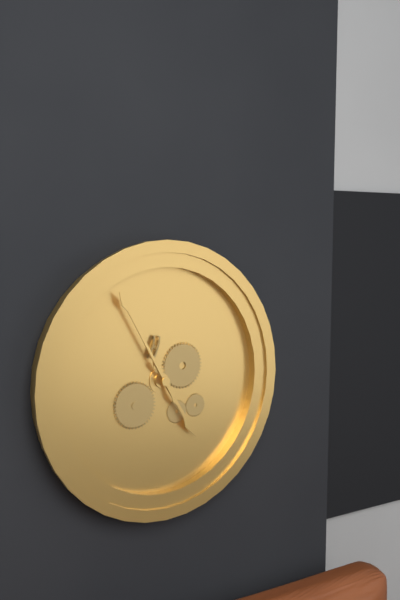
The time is {"hour": 4, "minute": 55}
